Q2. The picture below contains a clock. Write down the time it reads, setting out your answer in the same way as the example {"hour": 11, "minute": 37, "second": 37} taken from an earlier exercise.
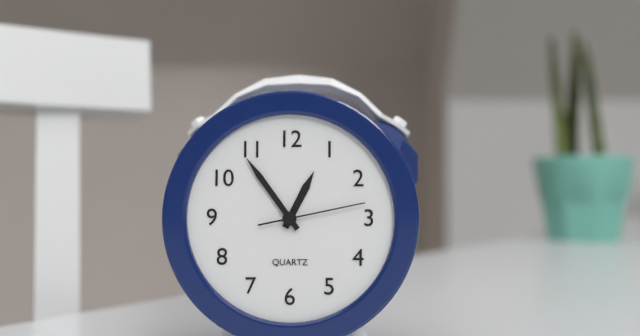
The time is {"hour": 12, "minute": 54, "second": 13}
